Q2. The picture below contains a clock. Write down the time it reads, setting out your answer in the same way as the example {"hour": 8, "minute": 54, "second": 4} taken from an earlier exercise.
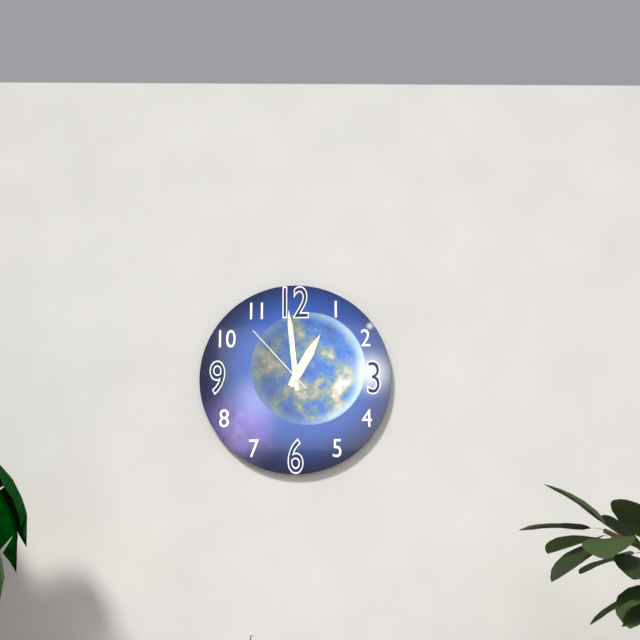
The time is {"hour": 12, "minute": 59, "second": 53}
